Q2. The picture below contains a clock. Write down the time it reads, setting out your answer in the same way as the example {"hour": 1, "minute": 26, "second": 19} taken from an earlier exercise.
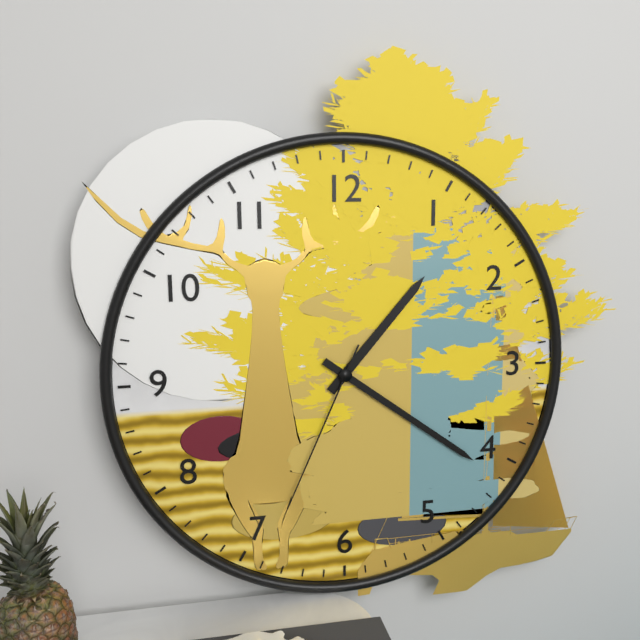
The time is {"hour": 1, "minute": 21, "second": 34}
